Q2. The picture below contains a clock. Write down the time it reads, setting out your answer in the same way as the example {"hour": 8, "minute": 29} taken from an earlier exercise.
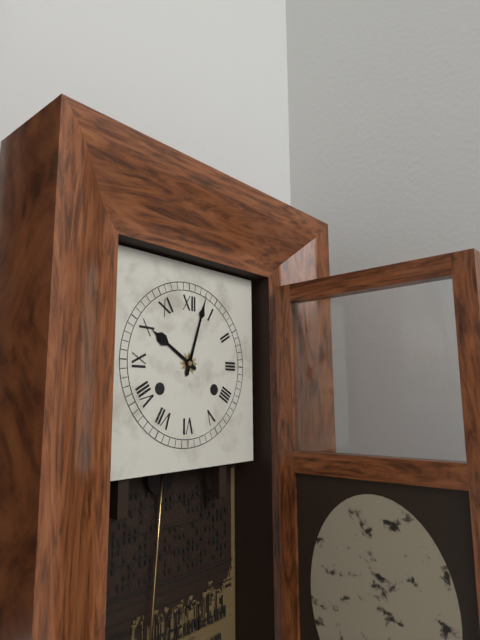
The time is {"hour": 10, "minute": 3}
